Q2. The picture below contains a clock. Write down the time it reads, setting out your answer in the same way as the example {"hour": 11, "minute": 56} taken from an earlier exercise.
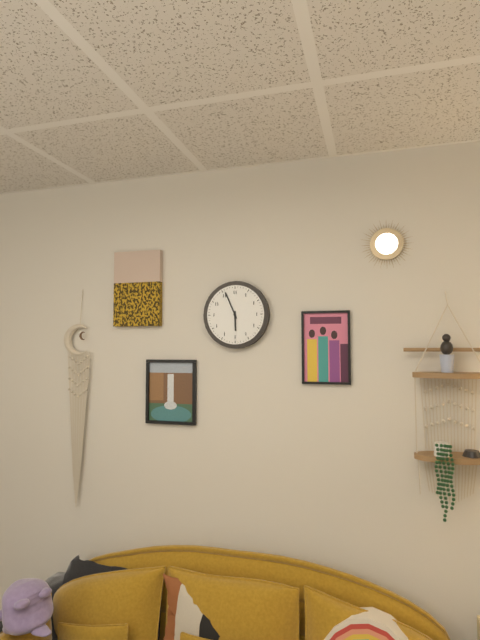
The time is {"hour": 5, "minute": 56}
